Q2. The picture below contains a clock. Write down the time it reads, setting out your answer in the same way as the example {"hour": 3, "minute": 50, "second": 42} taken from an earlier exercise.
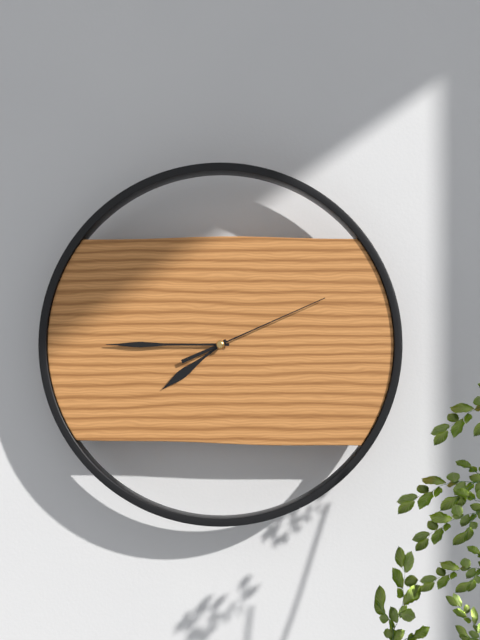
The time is {"hour": 7, "minute": 45, "second": 11}
